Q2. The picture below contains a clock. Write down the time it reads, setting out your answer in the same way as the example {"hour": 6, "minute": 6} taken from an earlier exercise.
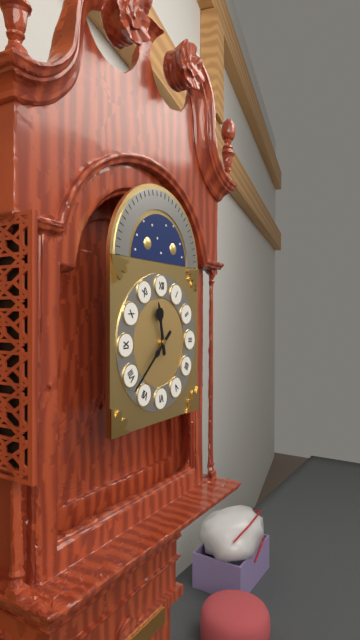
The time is {"hour": 11, "minute": 38}
